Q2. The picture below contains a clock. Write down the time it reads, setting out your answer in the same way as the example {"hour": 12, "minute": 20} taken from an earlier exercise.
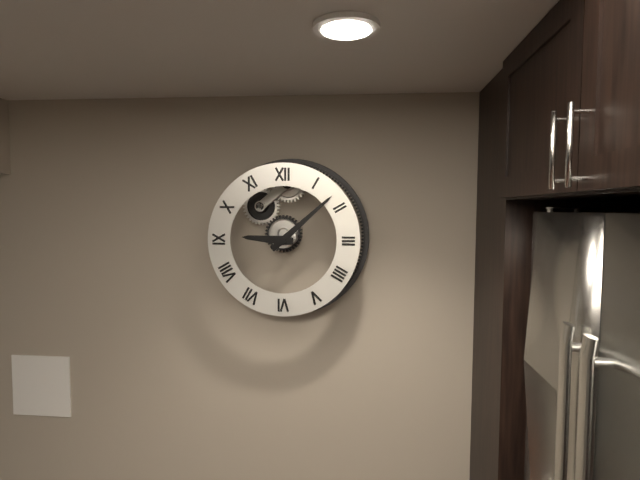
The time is {"hour": 9, "minute": 8}
